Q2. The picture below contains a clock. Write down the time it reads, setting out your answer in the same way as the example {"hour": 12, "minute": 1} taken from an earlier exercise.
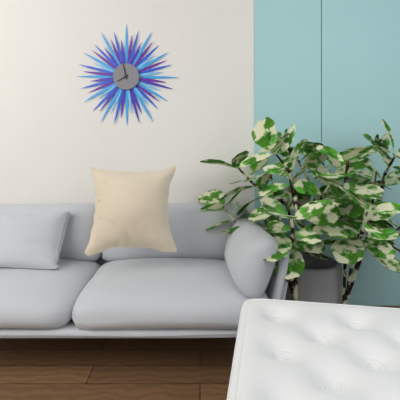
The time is {"hour": 7, "minute": 58}
